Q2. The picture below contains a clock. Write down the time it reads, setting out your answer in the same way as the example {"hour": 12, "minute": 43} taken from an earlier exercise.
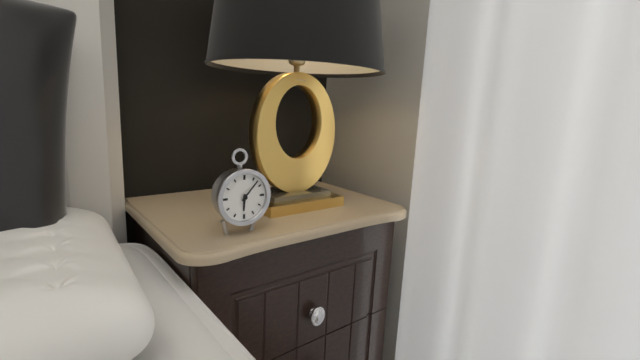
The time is {"hour": 6, "minute": 7}
